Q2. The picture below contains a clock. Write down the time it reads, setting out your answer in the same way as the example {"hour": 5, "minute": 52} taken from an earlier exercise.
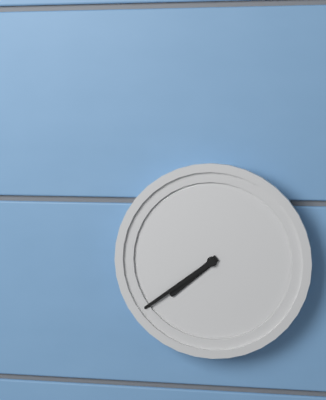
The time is {"hour": 7, "minute": 39}
